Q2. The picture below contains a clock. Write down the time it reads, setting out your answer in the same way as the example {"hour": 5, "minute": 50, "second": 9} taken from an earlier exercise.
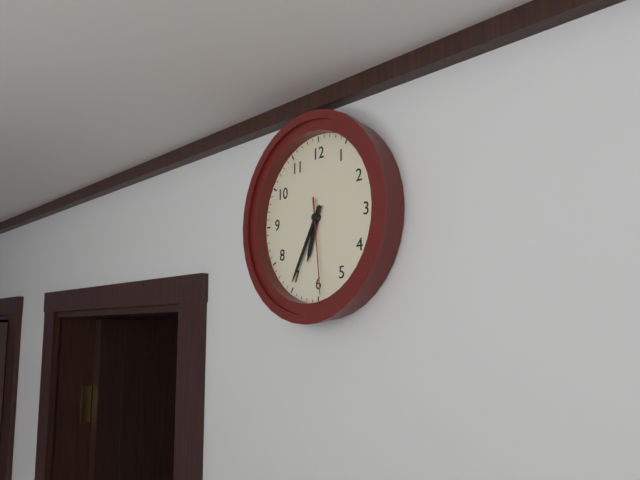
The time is {"hour": 6, "minute": 35, "second": 29}
